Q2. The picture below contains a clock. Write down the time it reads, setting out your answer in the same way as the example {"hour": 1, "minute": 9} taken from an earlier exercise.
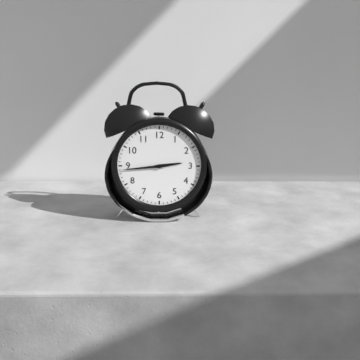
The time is {"hour": 2, "minute": 44}
